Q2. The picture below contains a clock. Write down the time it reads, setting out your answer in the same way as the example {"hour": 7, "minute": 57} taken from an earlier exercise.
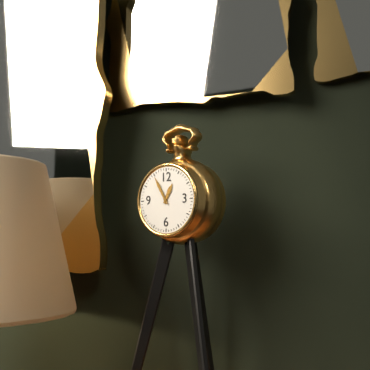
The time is {"hour": 12, "minute": 55}
